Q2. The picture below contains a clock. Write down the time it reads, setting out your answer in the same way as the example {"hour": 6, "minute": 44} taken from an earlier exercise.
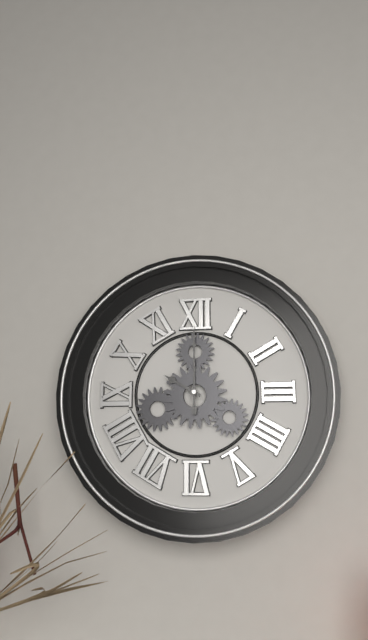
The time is {"hour": 10, "minute": 0}
